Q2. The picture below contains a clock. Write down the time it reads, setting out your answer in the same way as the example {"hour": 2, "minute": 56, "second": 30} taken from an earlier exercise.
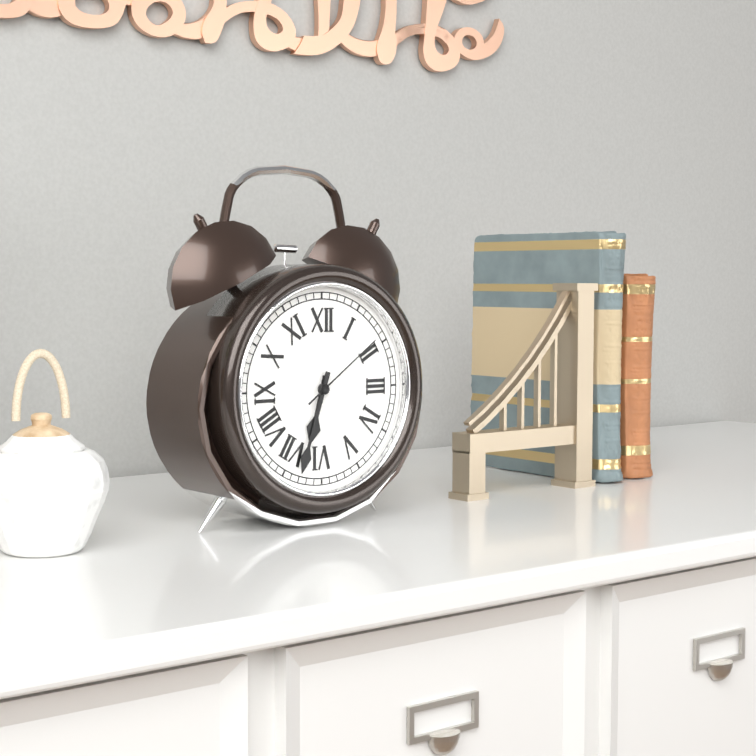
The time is {"hour": 6, "minute": 33, "second": 9}
